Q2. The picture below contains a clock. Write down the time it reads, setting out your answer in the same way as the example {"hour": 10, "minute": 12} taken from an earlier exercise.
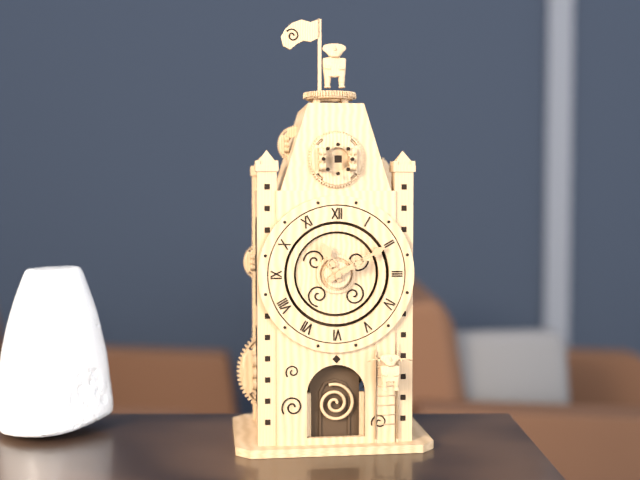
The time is {"hour": 11, "minute": 10}
